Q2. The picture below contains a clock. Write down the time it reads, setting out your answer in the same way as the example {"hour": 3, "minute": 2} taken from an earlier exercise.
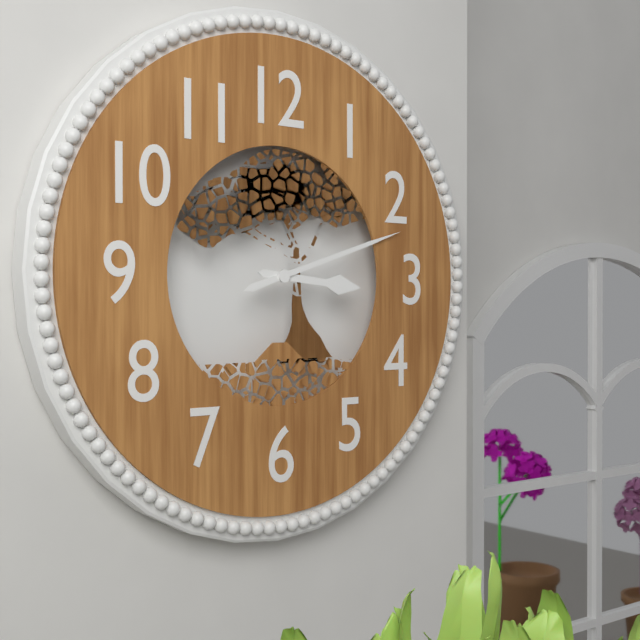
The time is {"hour": 3, "minute": 12}
